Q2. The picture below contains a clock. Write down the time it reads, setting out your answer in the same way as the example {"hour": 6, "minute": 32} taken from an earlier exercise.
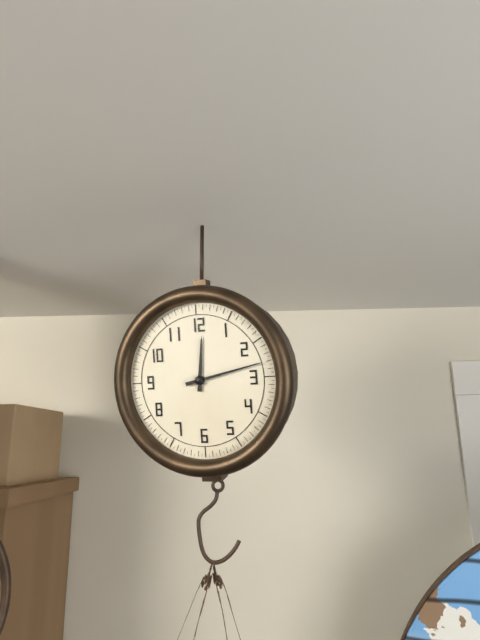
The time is {"hour": 12, "minute": 13}
